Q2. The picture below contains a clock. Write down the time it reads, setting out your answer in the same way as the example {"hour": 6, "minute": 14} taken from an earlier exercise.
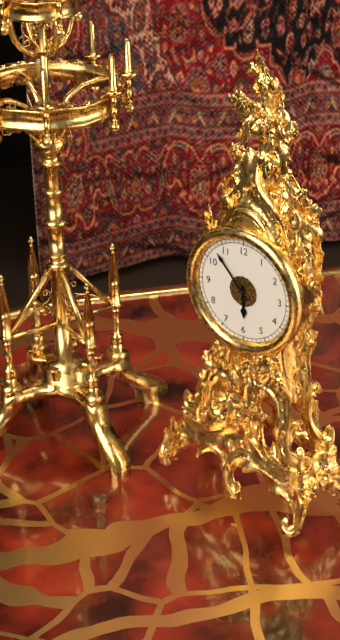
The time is {"hour": 5, "minute": 53}
